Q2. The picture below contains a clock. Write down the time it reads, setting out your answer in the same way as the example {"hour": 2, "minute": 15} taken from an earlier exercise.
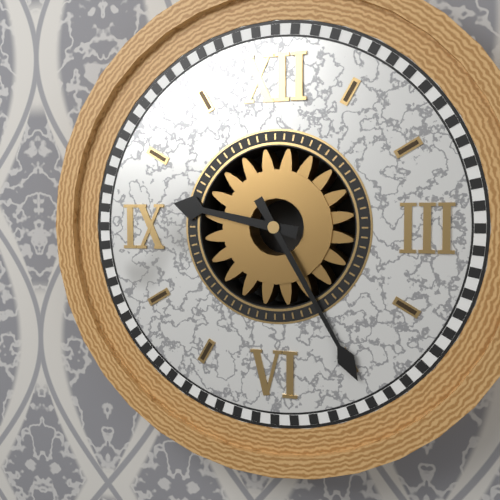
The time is {"hour": 9, "minute": 25}
